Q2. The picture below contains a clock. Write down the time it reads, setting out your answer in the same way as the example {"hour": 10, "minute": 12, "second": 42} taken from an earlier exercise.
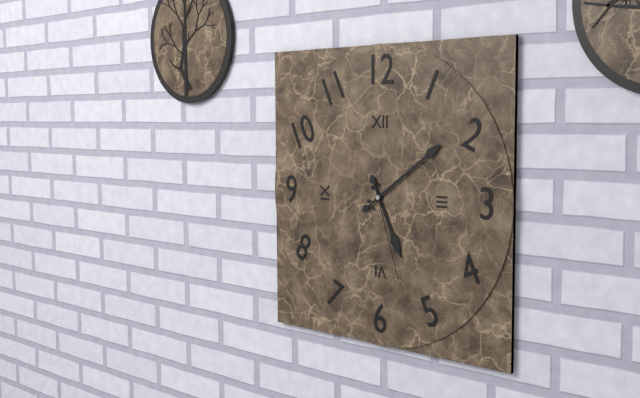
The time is {"hour": 5, "minute": 9, "second": 27}
